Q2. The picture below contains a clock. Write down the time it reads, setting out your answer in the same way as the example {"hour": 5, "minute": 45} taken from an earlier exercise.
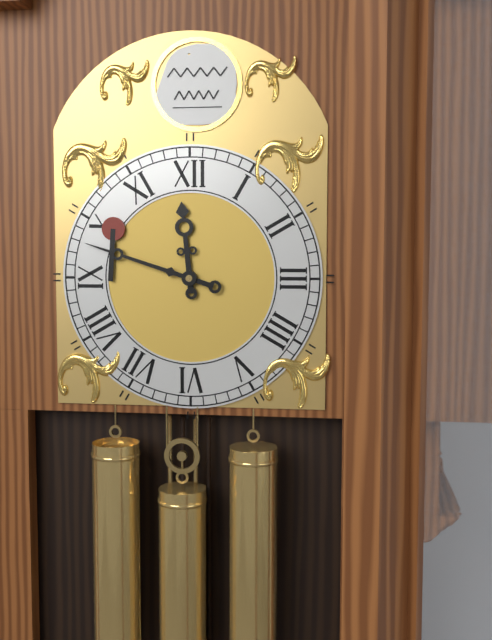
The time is {"hour": 11, "minute": 48}
